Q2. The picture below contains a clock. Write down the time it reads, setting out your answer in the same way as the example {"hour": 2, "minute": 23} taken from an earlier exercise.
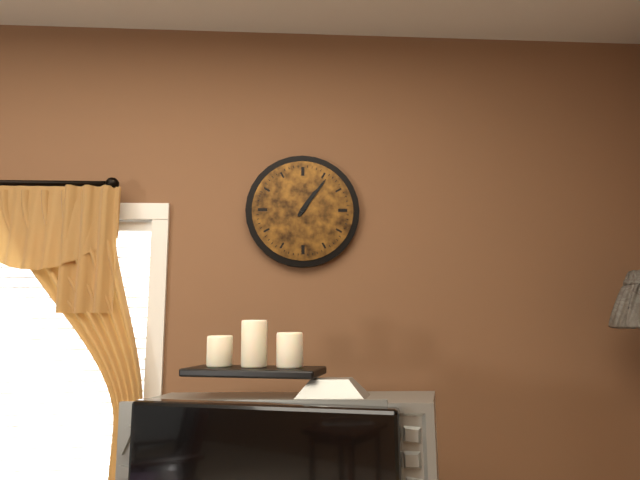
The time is {"hour": 1, "minute": 6}
